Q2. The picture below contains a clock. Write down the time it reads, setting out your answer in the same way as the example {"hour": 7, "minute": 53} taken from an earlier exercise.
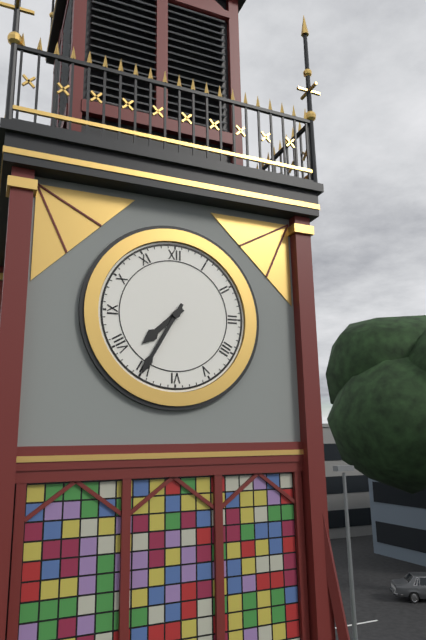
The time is {"hour": 7, "minute": 35}
